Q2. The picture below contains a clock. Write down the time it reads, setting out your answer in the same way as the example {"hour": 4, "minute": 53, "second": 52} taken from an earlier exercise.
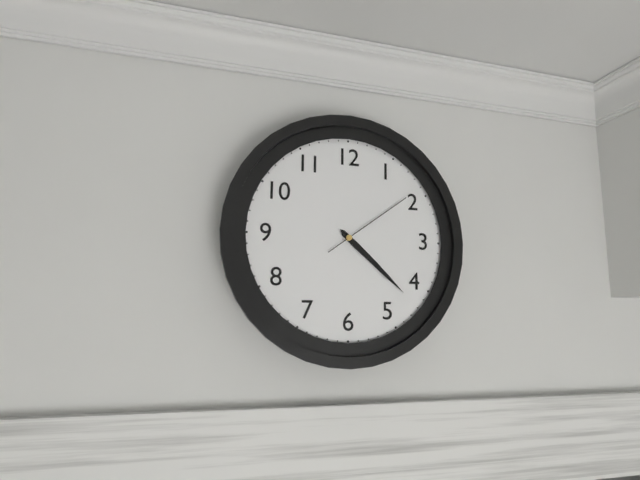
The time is {"hour": 4, "minute": 22, "second": 9}
